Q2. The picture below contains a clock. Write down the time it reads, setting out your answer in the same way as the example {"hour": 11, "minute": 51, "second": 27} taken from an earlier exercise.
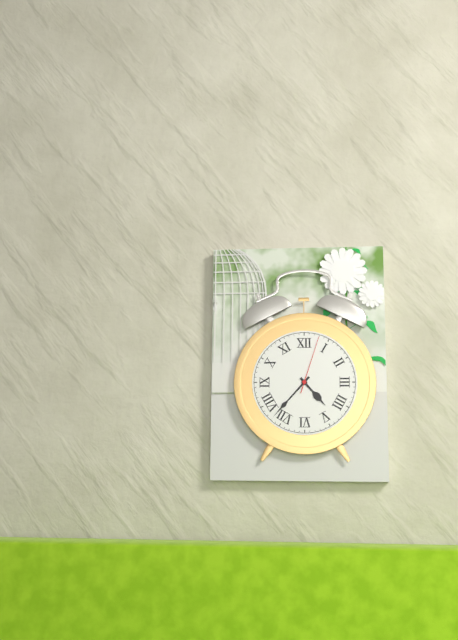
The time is {"hour": 4, "minute": 37, "second": 3}
